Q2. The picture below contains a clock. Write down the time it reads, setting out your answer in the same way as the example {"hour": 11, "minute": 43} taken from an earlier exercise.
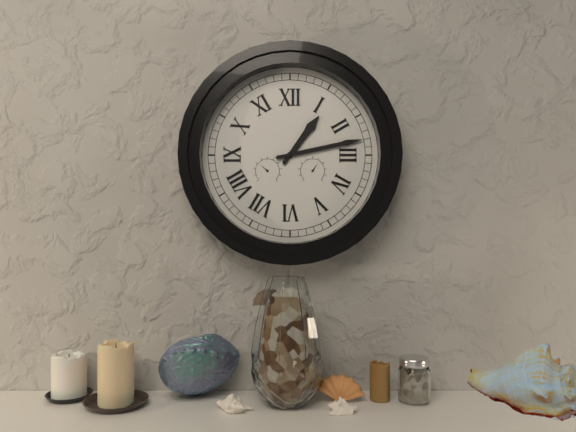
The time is {"hour": 1, "minute": 13}
